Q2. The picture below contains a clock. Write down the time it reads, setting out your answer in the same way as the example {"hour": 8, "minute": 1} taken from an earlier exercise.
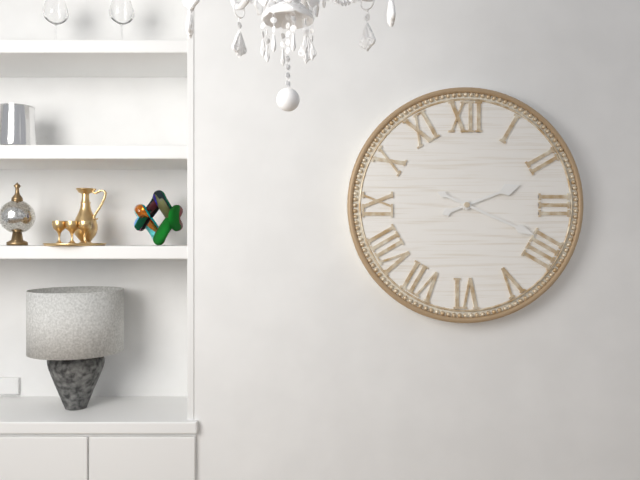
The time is {"hour": 2, "minute": 19}
